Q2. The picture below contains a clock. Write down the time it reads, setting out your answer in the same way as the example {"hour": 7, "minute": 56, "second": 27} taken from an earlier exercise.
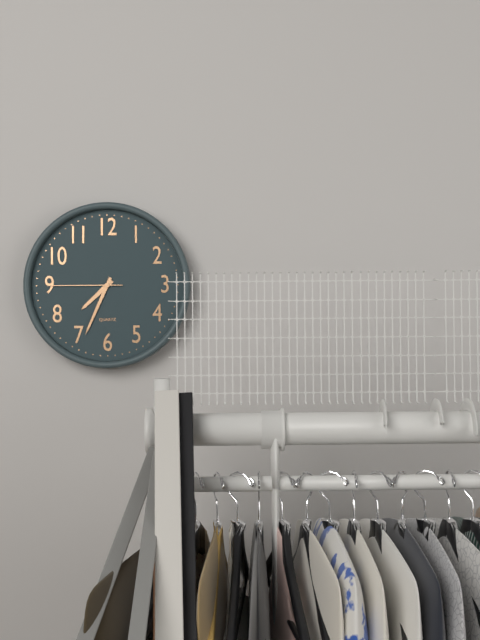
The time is {"hour": 7, "minute": 34, "second": 45}
